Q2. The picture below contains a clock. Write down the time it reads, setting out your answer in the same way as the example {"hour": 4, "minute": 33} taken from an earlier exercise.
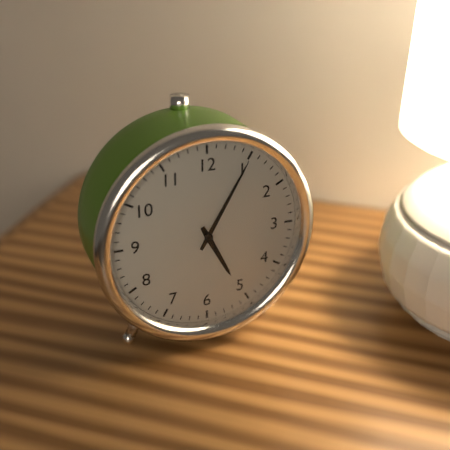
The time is {"hour": 5, "minute": 5}
